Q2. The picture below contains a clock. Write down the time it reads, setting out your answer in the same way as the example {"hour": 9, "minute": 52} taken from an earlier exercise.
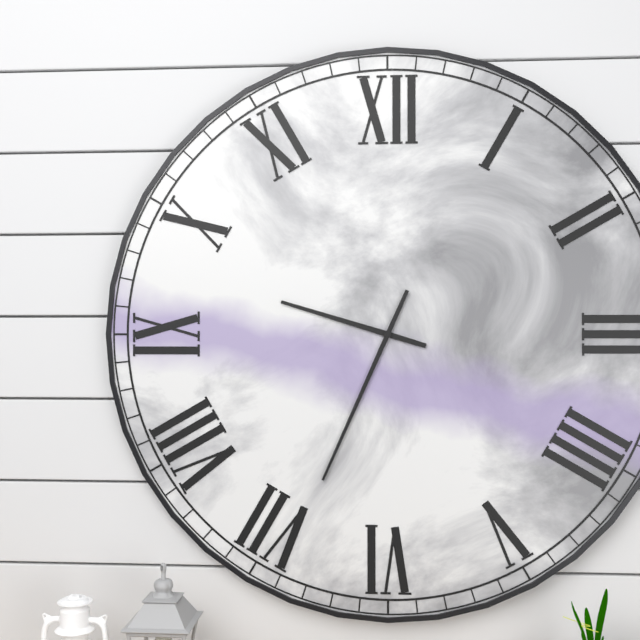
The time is {"hour": 9, "minute": 34}
